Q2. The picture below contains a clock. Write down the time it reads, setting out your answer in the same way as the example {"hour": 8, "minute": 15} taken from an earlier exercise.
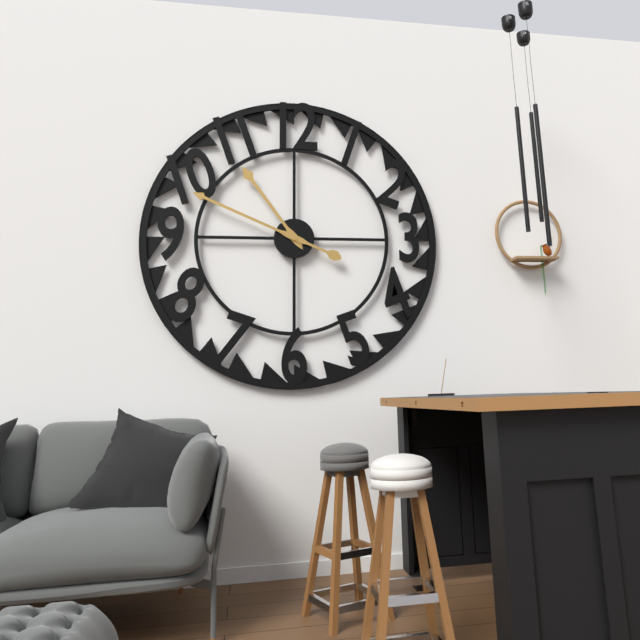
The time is {"hour": 10, "minute": 49}
